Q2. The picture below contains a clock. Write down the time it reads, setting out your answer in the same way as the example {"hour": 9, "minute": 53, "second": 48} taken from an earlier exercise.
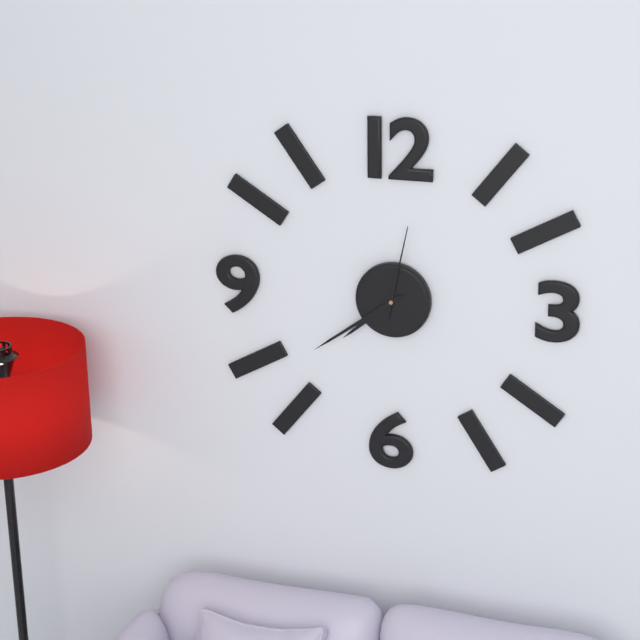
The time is {"hour": 7, "minute": 39, "second": 2}
